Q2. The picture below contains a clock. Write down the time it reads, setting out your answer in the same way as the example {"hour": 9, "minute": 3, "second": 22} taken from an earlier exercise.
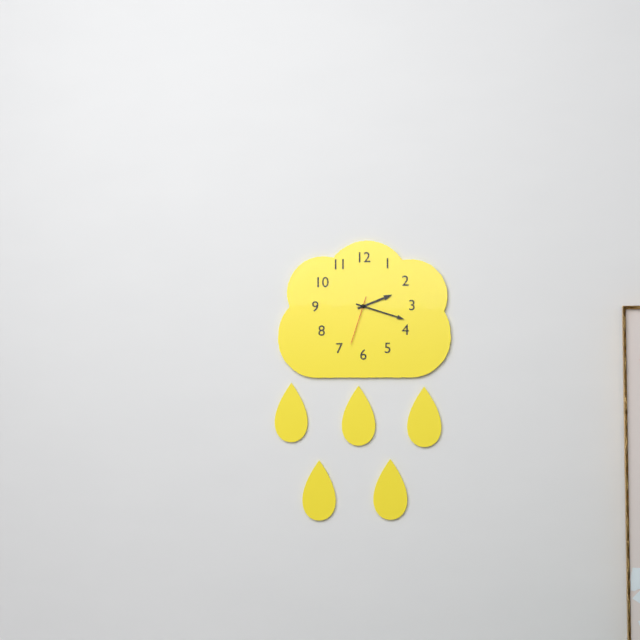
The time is {"hour": 2, "minute": 18, "second": 33}
